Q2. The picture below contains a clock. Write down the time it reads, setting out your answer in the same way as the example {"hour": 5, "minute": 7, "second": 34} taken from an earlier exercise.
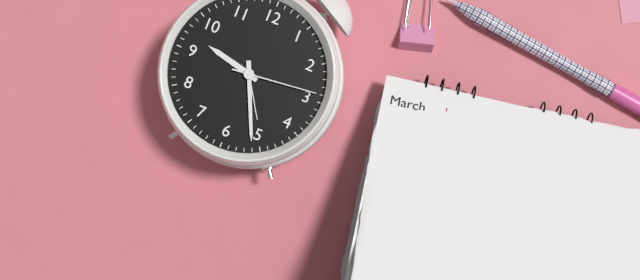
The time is {"hour": 9, "minute": 26, "second": 14}
